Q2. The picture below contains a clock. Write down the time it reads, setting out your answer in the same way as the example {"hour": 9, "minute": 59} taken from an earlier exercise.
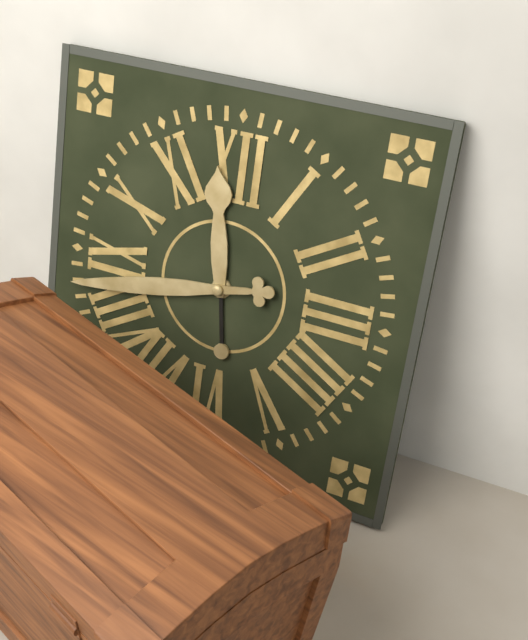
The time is {"hour": 11, "minute": 43}
